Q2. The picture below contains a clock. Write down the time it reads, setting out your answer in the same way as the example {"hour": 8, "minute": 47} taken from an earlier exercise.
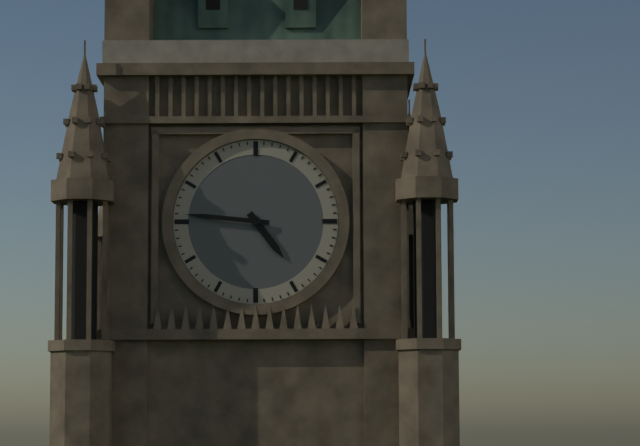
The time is {"hour": 4, "minute": 46}
